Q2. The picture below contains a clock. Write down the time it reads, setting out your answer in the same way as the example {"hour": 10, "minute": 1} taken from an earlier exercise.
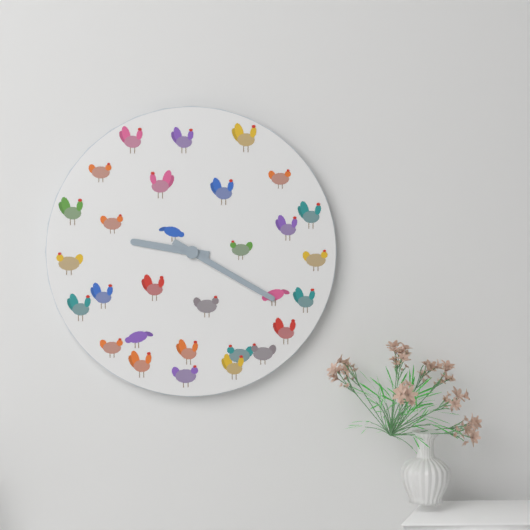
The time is {"hour": 9, "minute": 20}
